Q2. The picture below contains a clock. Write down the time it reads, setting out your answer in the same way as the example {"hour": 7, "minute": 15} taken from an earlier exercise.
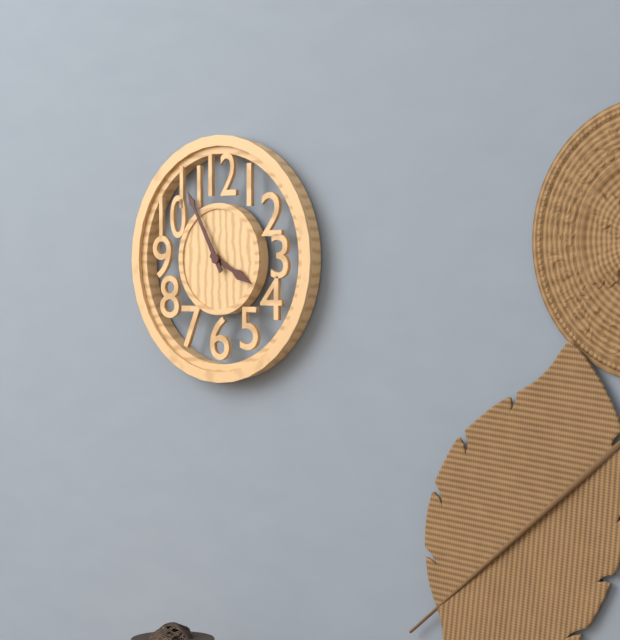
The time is {"hour": 3, "minute": 55}
